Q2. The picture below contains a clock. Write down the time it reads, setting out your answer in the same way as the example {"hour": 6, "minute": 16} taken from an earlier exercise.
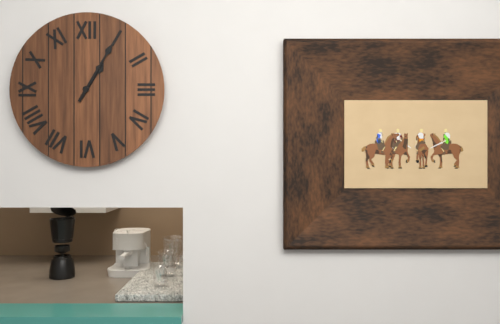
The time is {"hour": 1, "minute": 5}
